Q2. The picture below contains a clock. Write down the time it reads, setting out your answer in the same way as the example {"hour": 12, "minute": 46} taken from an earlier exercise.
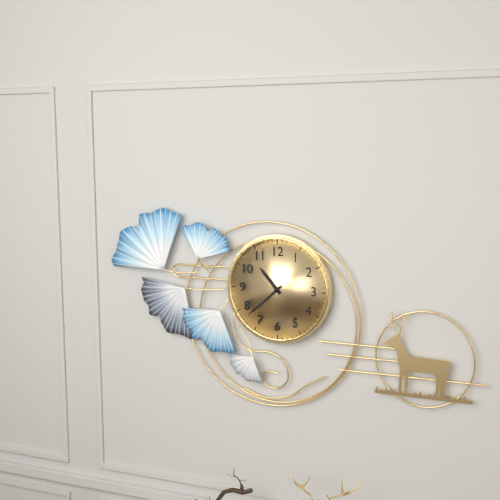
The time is {"hour": 10, "minute": 38}
